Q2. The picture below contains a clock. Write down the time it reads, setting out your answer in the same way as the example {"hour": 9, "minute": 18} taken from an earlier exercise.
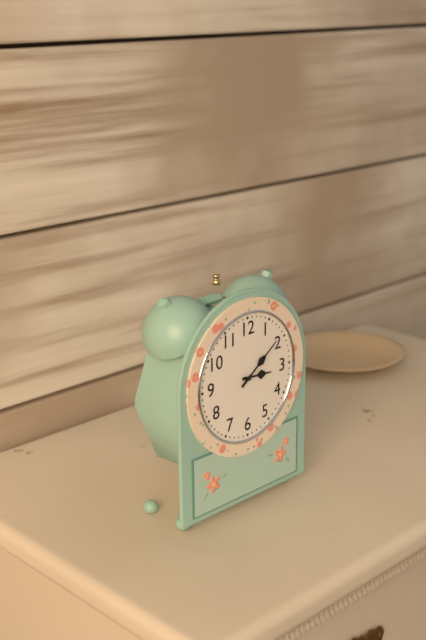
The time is {"hour": 3, "minute": 9}
